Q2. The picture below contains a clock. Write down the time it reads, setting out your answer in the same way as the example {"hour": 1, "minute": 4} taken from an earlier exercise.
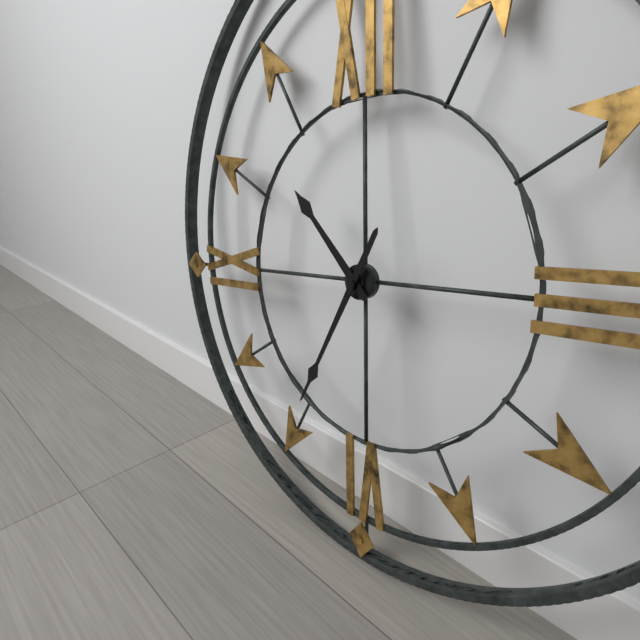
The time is {"hour": 10, "minute": 35}
